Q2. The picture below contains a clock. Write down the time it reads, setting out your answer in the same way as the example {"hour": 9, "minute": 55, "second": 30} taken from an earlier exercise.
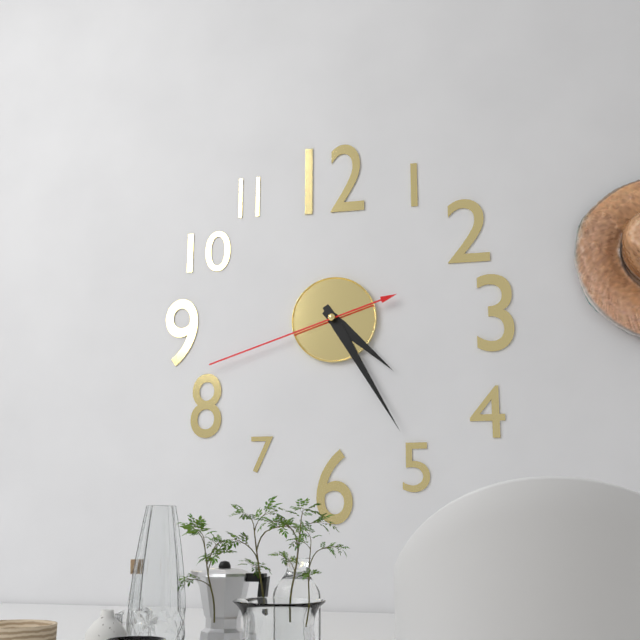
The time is {"hour": 4, "minute": 25, "second": 42}
